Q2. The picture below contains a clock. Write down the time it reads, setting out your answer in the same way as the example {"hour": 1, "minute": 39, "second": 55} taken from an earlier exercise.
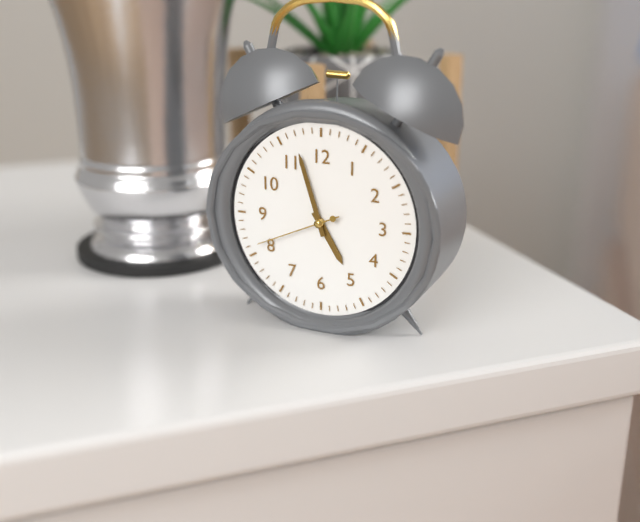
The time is {"hour": 4, "minute": 57, "second": 41}
